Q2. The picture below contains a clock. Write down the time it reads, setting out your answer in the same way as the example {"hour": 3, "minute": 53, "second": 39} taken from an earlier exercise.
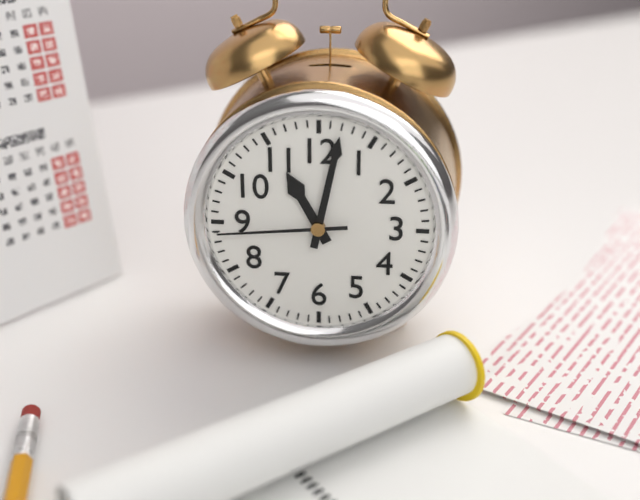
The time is {"hour": 11, "minute": 2, "second": 44}
